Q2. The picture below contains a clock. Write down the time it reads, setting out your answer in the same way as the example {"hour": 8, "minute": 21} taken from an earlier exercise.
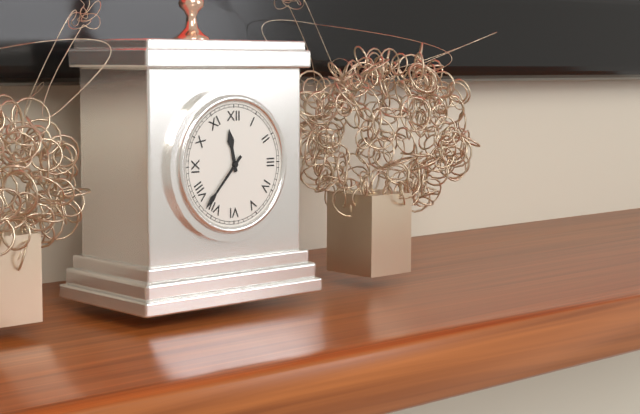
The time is {"hour": 11, "minute": 37}
